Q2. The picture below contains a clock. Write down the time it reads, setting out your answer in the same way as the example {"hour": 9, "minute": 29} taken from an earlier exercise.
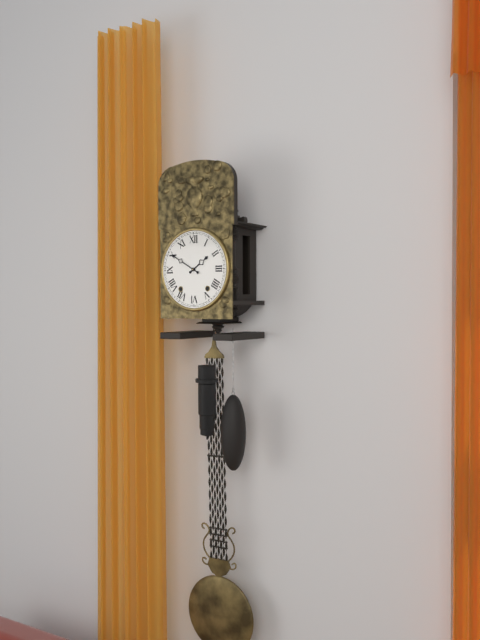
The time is {"hour": 1, "minute": 50}
